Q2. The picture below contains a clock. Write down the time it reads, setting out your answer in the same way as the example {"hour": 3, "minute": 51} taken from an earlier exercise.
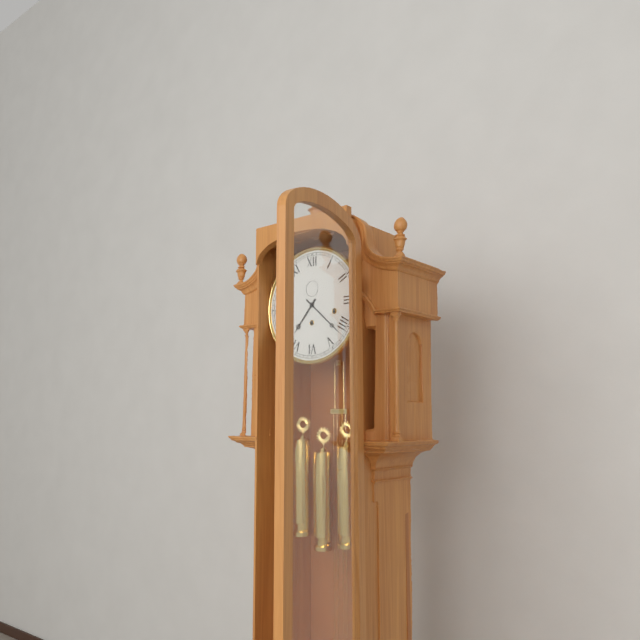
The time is {"hour": 7, "minute": 22}
